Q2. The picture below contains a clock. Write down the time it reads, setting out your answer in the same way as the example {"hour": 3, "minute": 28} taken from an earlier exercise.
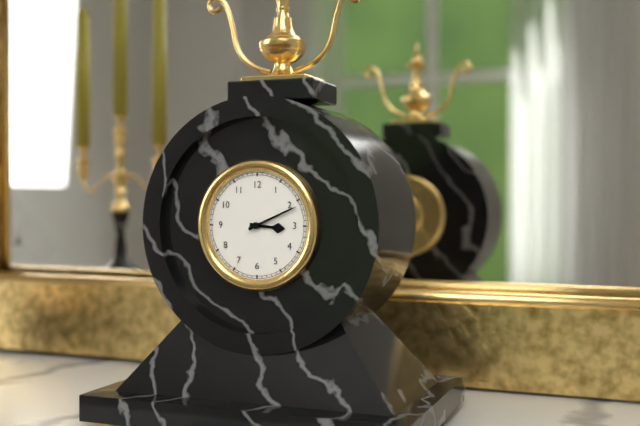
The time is {"hour": 3, "minute": 11}
